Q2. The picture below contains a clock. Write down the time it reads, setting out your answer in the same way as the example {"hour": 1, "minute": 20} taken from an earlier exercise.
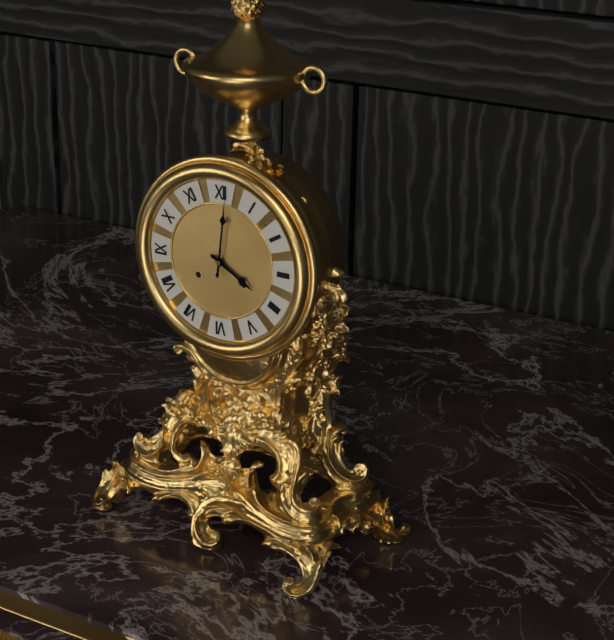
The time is {"hour": 4, "minute": 1}
